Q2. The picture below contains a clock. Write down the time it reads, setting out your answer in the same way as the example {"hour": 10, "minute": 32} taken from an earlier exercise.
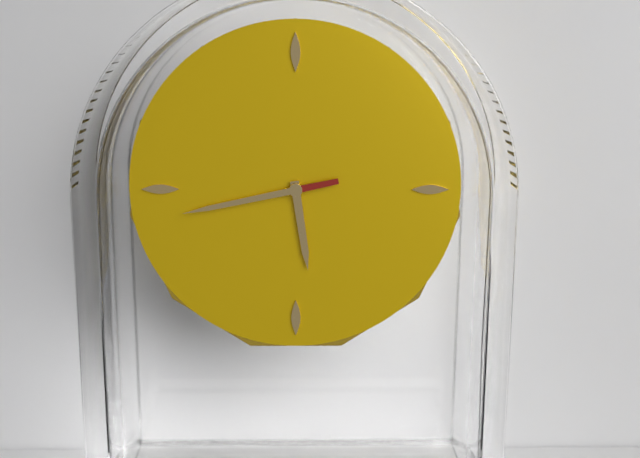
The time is {"hour": 5, "minute": 43}
